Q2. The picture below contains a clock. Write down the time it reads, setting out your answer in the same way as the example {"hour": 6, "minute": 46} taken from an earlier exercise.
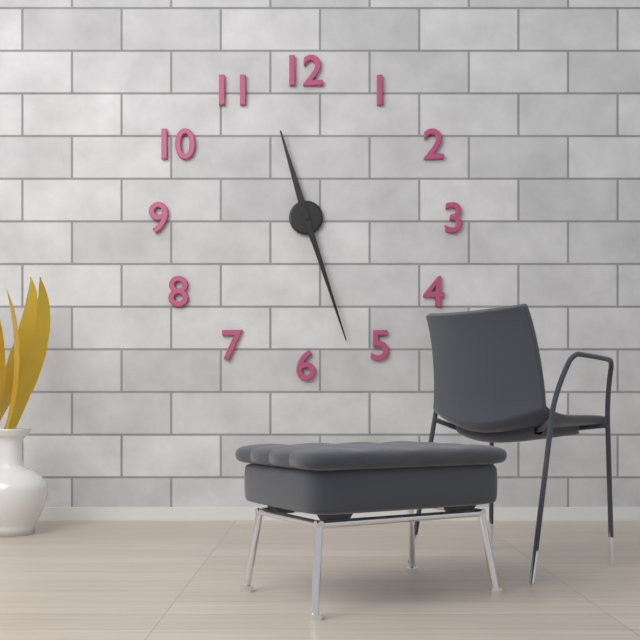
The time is {"hour": 11, "minute": 27}
